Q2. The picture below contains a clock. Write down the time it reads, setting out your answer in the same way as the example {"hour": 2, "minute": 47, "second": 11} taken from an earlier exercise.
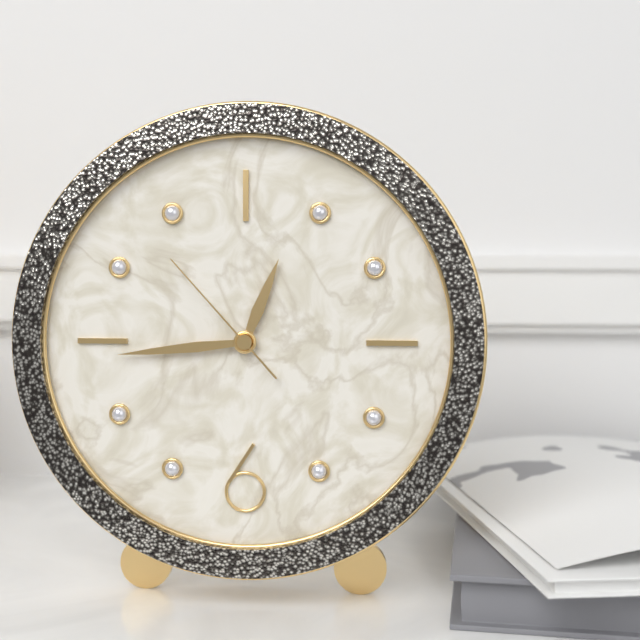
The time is {"hour": 12, "minute": 44, "second": 53}
